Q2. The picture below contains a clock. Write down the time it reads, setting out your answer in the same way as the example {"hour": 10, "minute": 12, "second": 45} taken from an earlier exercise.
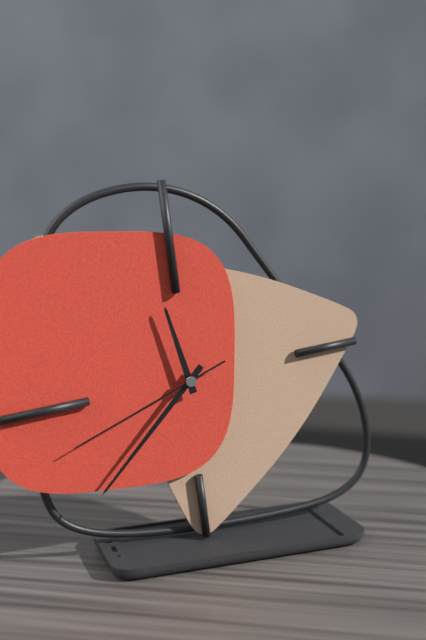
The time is {"hour": 11, "minute": 38, "second": 42}
